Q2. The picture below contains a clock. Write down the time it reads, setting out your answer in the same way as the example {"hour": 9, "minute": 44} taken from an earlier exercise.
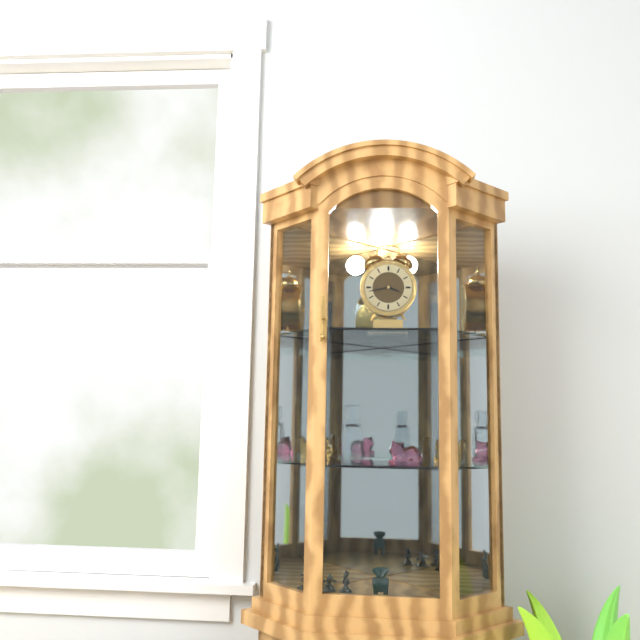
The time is {"hour": 3, "minute": 43}
